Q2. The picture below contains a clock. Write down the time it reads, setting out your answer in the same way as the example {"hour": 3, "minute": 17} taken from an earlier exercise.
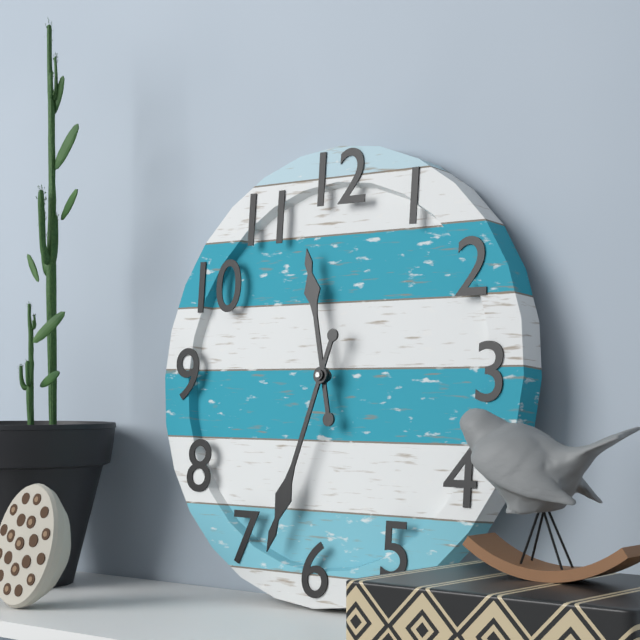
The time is {"hour": 11, "minute": 33}
